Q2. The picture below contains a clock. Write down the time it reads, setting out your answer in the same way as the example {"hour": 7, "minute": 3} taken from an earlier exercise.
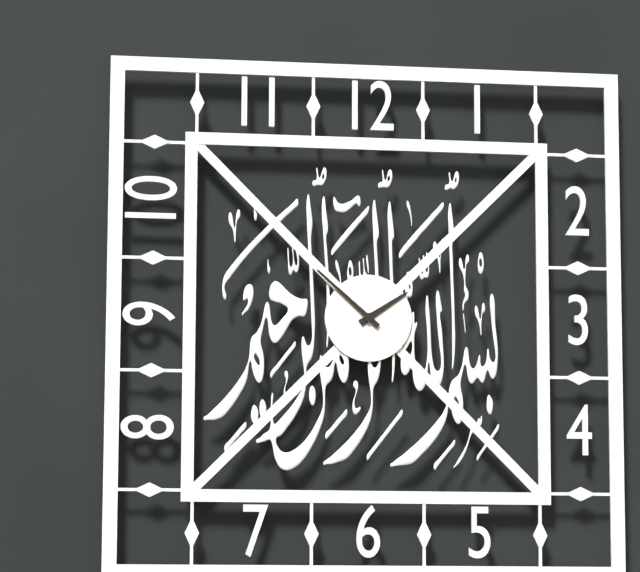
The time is {"hour": 1, "minute": 52}
